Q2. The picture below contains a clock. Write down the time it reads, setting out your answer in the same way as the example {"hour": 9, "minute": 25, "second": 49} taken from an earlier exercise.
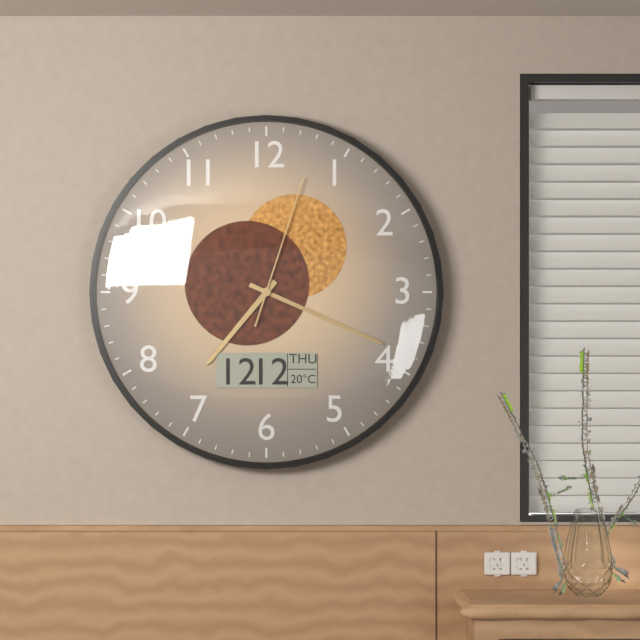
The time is {"hour": 7, "minute": 19, "second": 3}
